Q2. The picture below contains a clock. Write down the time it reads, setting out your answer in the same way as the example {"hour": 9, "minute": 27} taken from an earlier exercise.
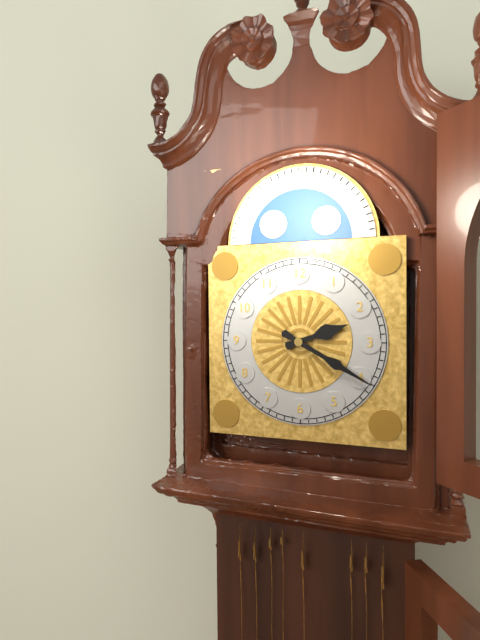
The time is {"hour": 2, "minute": 20}
